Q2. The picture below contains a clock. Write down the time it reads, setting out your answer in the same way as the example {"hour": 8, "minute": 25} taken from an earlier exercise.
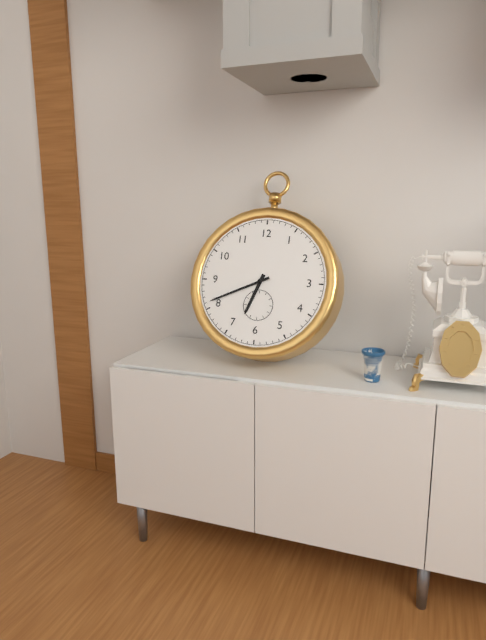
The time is {"hour": 6, "minute": 41}
